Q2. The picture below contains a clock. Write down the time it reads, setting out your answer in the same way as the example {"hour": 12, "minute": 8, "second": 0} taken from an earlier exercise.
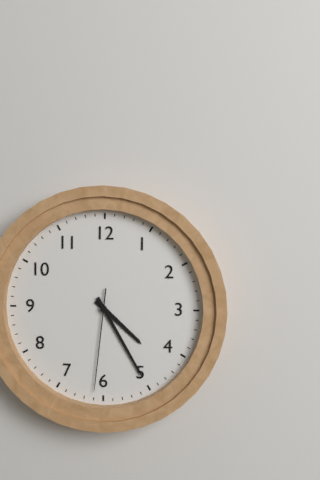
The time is {"hour": 4, "minute": 25, "second": 31}
